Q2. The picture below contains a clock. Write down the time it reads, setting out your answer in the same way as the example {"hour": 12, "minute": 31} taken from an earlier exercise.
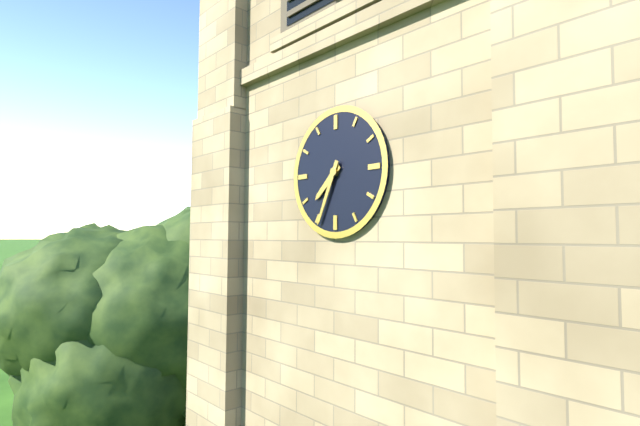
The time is {"hour": 7, "minute": 34}
